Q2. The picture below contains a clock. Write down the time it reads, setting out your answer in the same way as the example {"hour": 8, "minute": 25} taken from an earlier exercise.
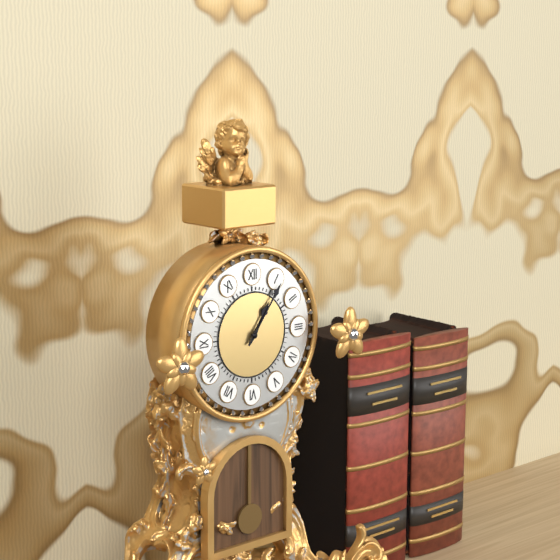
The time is {"hour": 1, "minute": 6}
